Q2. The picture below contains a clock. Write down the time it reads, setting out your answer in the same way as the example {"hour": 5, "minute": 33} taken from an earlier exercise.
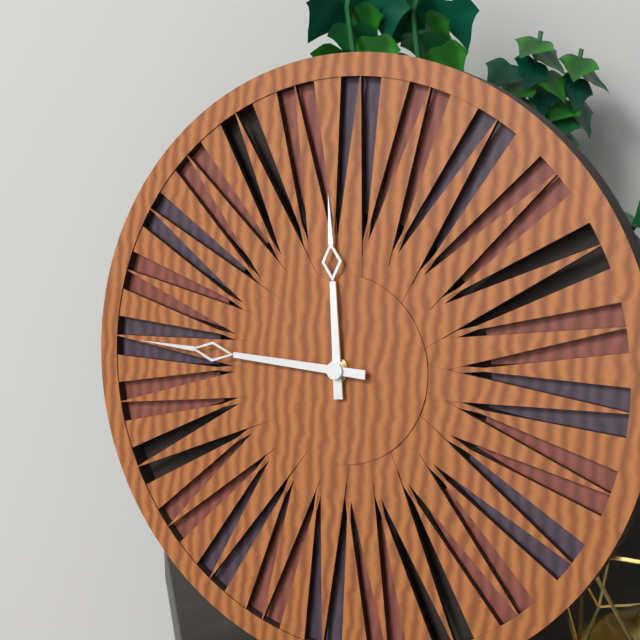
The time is {"hour": 11, "minute": 45}
